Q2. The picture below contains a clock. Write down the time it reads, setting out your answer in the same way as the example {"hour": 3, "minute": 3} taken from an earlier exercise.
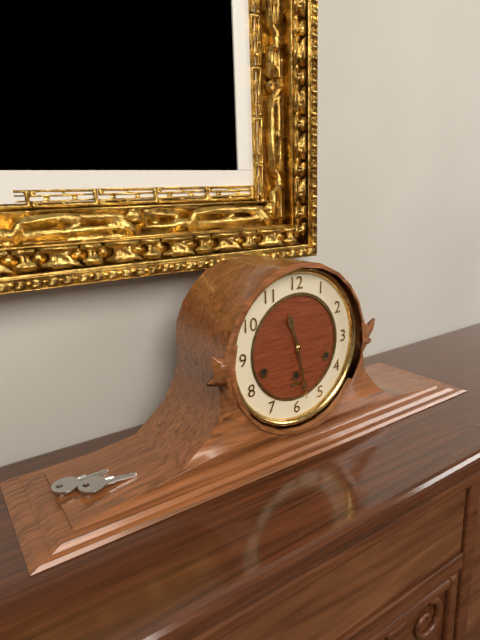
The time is {"hour": 11, "minute": 28}
